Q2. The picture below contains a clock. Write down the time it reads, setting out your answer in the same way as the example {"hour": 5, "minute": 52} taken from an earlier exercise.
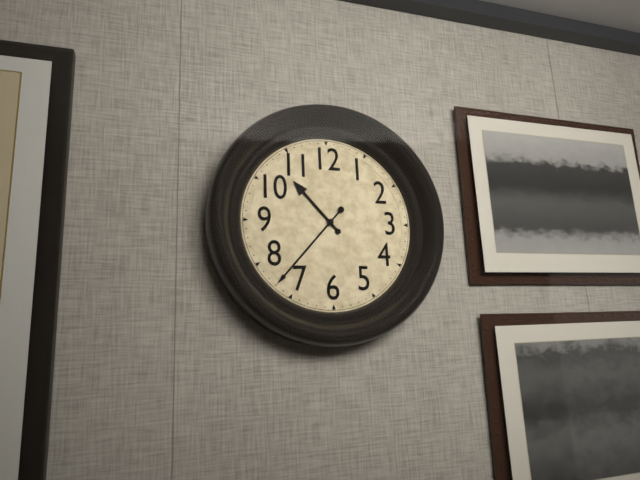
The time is {"hour": 10, "minute": 37}
